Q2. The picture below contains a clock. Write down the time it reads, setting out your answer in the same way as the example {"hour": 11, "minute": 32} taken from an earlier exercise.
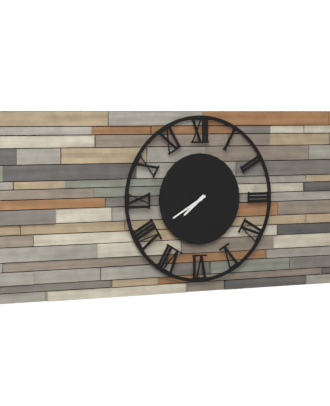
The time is {"hour": 7, "minute": 40}
